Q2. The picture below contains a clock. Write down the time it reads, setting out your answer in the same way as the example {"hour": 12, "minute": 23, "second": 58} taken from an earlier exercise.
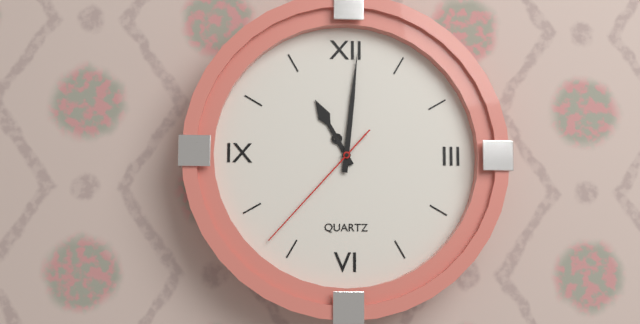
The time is {"hour": 11, "minute": 1, "second": 37}
